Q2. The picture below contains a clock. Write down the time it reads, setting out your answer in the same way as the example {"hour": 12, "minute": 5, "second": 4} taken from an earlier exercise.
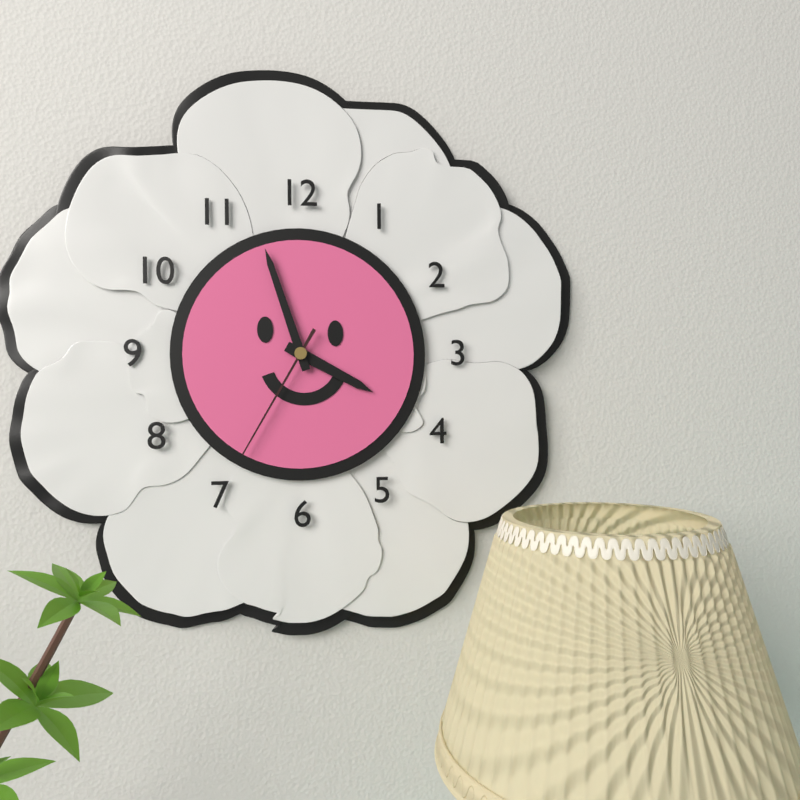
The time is {"hour": 3, "minute": 57, "second": 35}
